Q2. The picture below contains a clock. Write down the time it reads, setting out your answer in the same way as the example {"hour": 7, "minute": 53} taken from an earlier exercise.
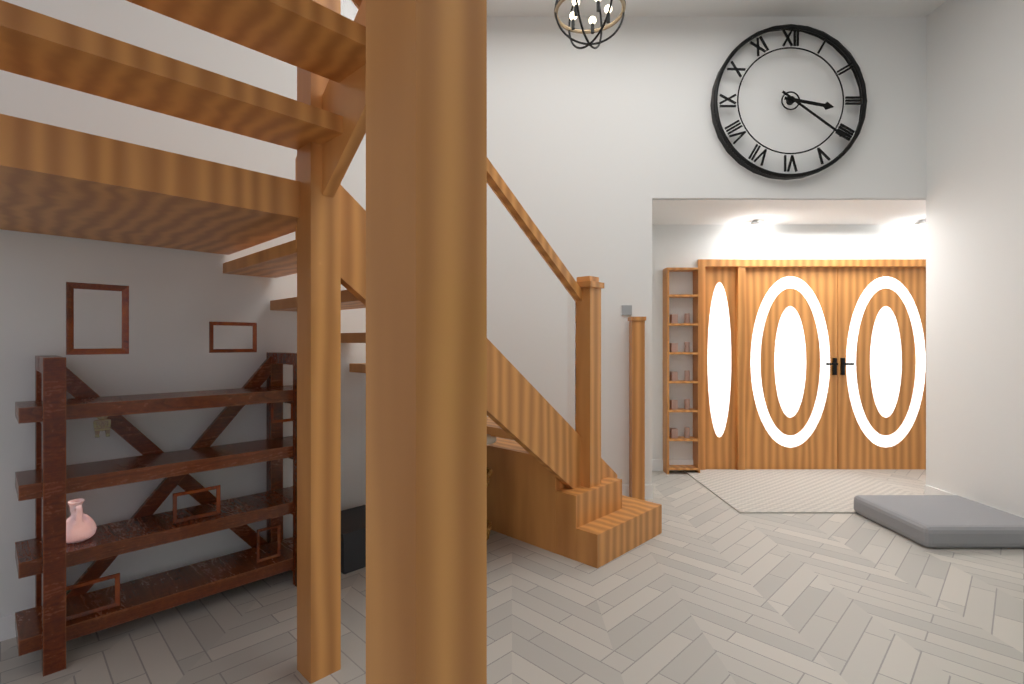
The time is {"hour": 3, "minute": 21}
